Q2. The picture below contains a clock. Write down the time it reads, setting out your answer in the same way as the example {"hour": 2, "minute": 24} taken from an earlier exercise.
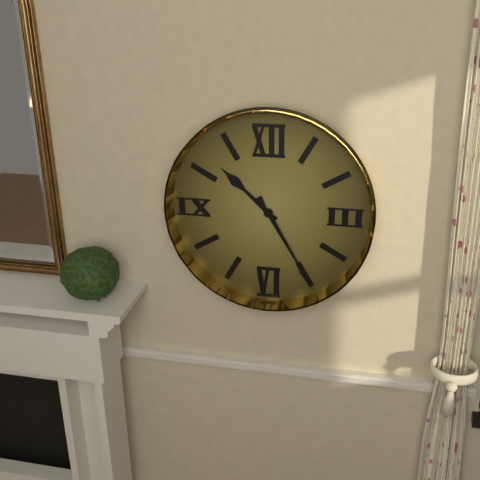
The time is {"hour": 10, "minute": 25}
